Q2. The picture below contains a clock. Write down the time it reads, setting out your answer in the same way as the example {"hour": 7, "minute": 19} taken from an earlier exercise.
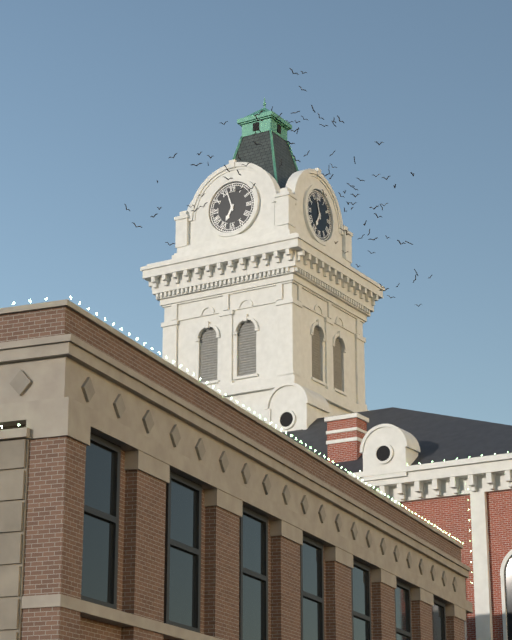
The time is {"hour": 6, "minute": 57}
